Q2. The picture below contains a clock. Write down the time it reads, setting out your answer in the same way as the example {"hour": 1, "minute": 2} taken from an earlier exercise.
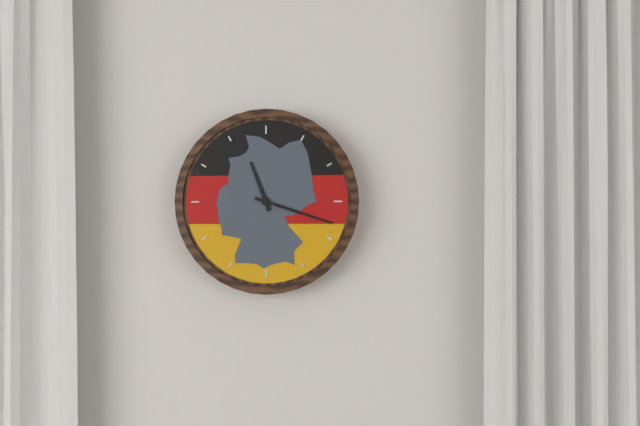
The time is {"hour": 11, "minute": 18}
